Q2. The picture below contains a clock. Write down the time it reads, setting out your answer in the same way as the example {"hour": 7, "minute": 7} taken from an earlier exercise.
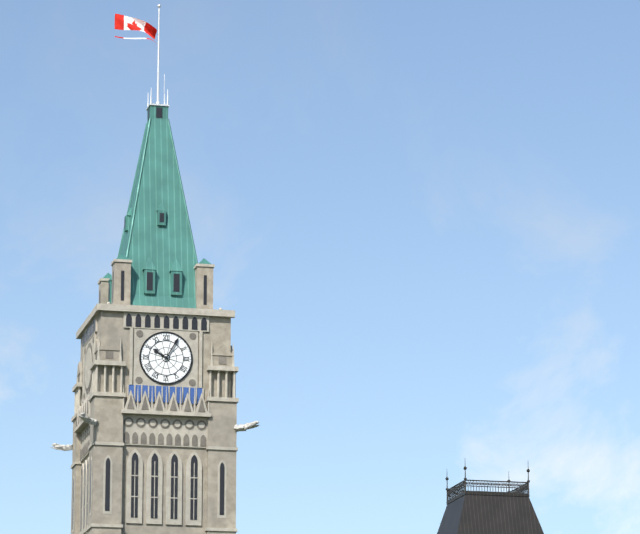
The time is {"hour": 10, "minute": 5}
